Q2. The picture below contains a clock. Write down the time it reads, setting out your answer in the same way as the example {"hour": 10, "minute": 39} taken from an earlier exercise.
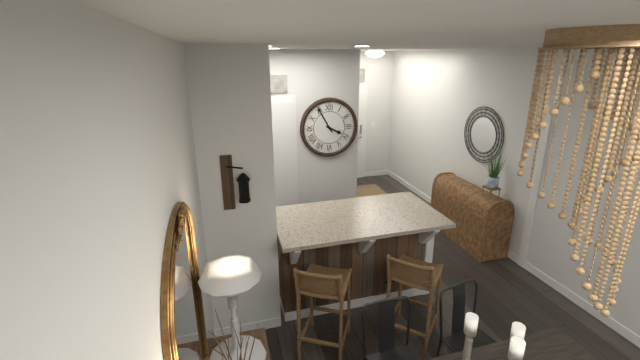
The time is {"hour": 3, "minute": 55}
